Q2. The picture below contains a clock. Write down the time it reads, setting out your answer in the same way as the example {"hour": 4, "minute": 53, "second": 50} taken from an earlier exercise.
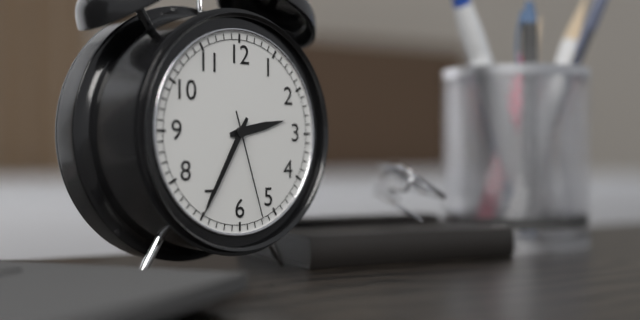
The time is {"hour": 2, "minute": 35, "second": 27}
